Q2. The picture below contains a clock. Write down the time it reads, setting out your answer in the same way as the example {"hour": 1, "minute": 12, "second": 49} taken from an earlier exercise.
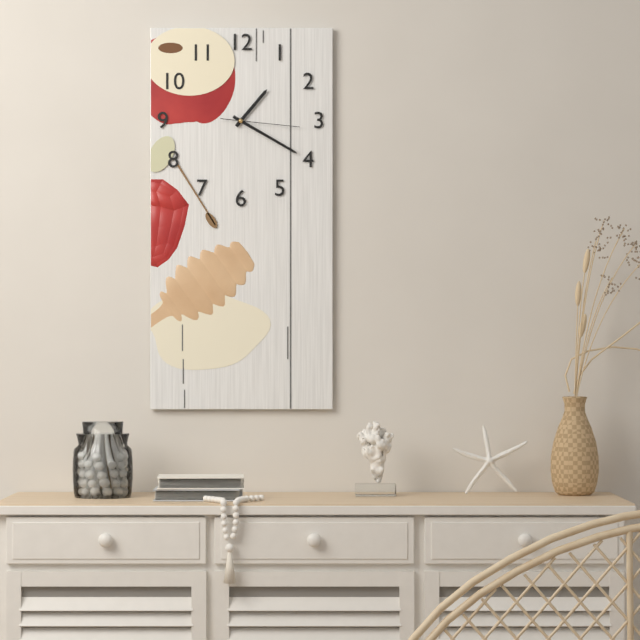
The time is {"hour": 1, "minute": 20, "second": 16}
